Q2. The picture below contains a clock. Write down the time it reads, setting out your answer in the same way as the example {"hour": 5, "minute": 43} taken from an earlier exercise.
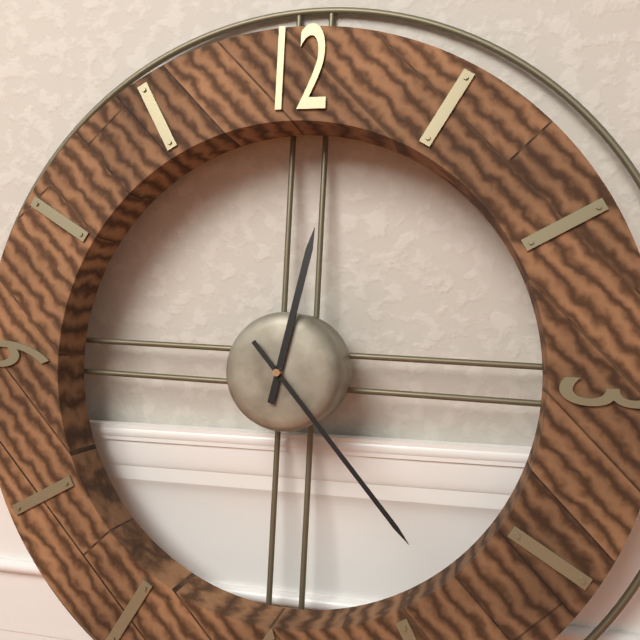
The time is {"hour": 12, "minute": 23}
